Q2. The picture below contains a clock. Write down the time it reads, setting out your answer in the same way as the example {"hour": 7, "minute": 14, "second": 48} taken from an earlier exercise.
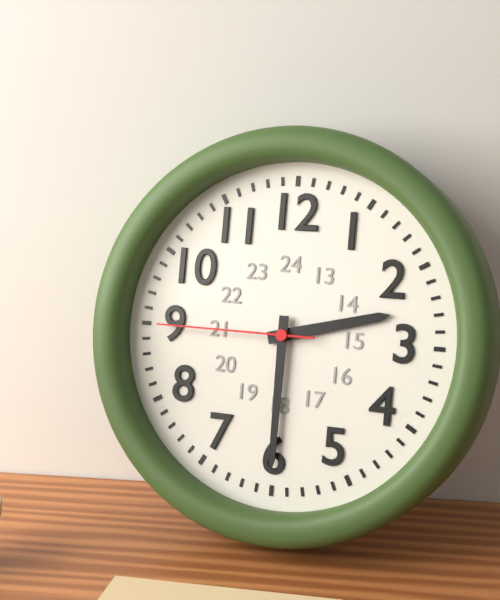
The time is {"hour": 2, "minute": 30, "second": 45}
